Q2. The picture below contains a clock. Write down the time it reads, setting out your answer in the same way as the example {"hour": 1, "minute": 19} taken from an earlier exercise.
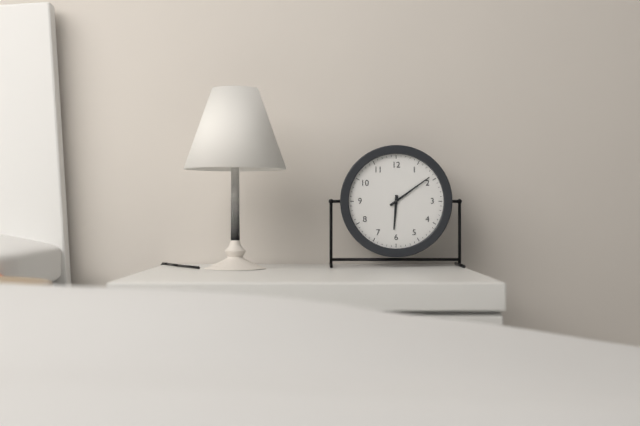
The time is {"hour": 6, "minute": 9}
